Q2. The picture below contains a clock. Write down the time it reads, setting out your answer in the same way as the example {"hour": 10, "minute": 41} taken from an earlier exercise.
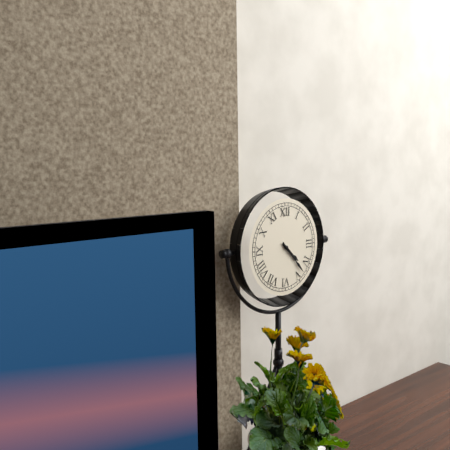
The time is {"hour": 4, "minute": 23}
